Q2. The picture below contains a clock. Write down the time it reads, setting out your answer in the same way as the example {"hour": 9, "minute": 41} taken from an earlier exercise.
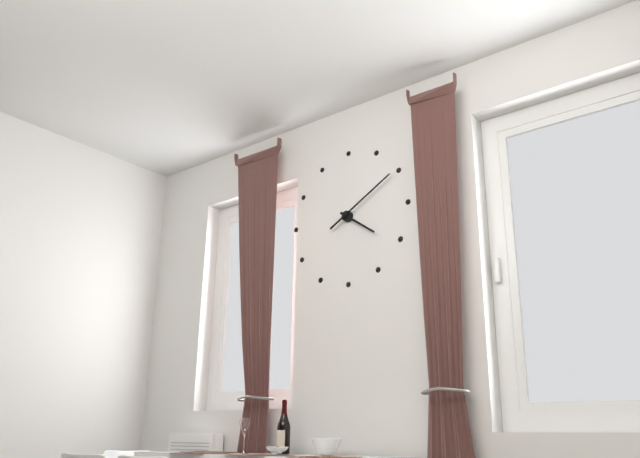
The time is {"hour": 4, "minute": 10}
